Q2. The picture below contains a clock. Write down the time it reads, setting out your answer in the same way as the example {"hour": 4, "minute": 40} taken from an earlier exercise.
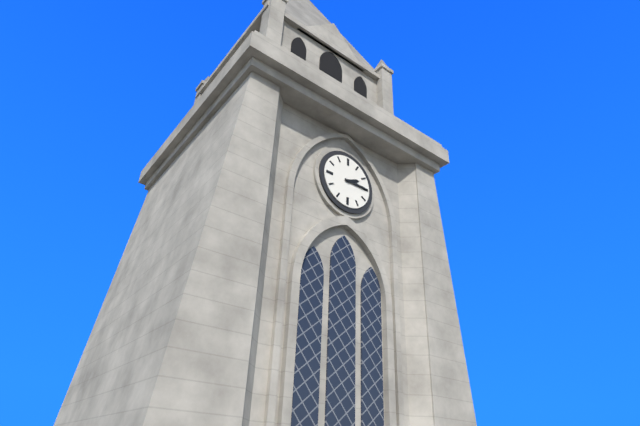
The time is {"hour": 2, "minute": 15}
